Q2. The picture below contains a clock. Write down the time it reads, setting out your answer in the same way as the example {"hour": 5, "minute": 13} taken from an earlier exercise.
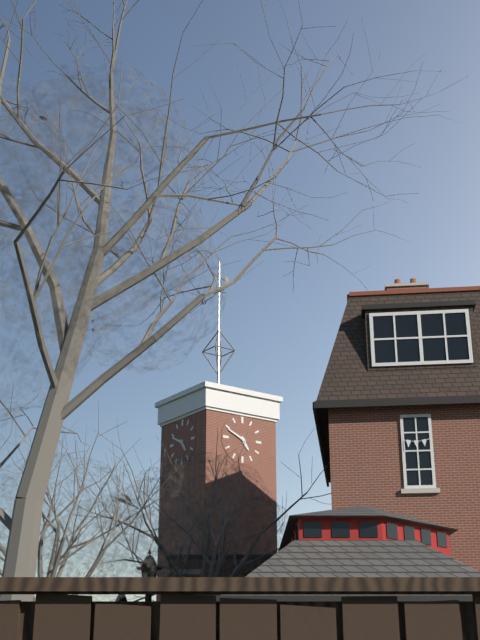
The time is {"hour": 4, "minute": 49}
